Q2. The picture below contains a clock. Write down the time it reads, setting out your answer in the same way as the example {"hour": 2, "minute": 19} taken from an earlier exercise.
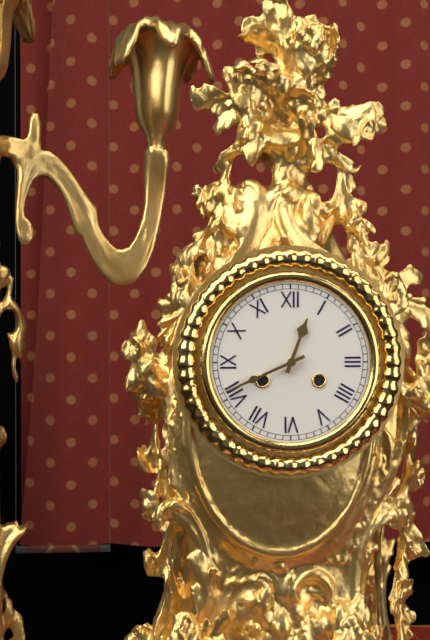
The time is {"hour": 12, "minute": 41}
